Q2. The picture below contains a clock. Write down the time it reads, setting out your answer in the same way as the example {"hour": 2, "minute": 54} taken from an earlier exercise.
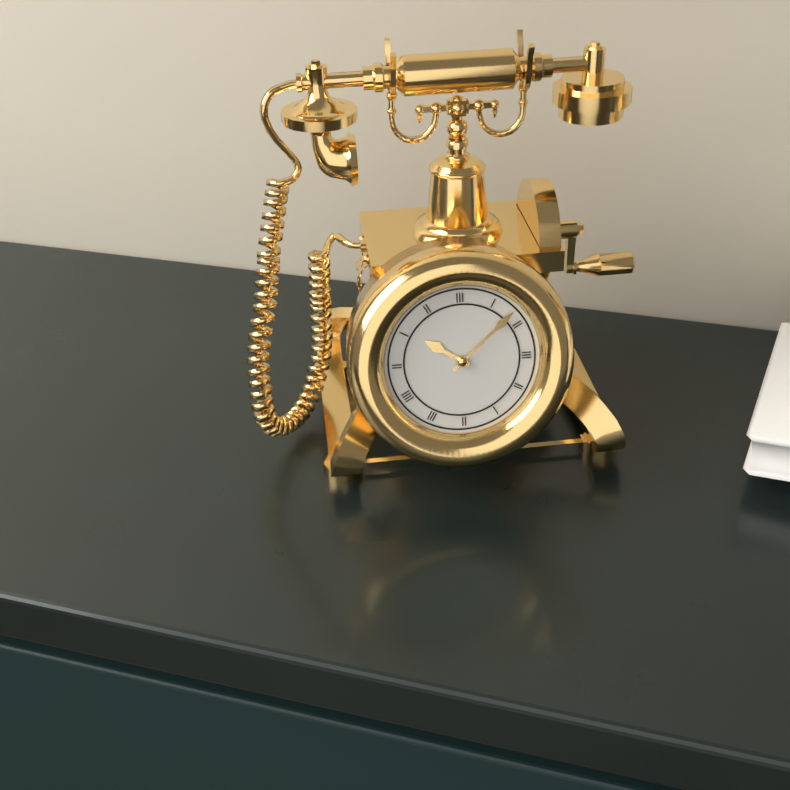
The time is {"hour": 10, "minute": 8}
